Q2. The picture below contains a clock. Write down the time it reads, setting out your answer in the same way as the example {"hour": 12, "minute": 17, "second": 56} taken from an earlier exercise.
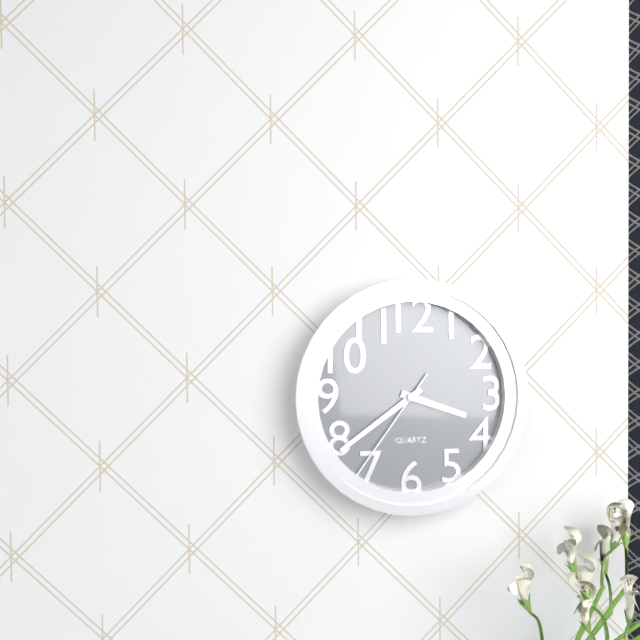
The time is {"hour": 3, "minute": 39, "second": 36}
